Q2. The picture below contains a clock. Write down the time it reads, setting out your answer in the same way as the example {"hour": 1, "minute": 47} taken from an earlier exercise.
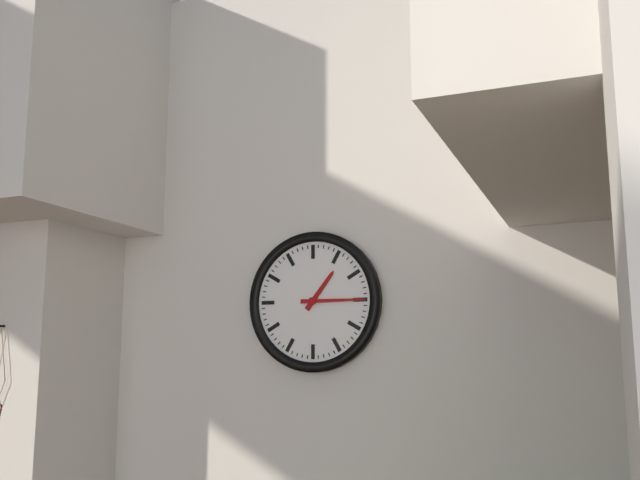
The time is {"hour": 1, "minute": 15}
